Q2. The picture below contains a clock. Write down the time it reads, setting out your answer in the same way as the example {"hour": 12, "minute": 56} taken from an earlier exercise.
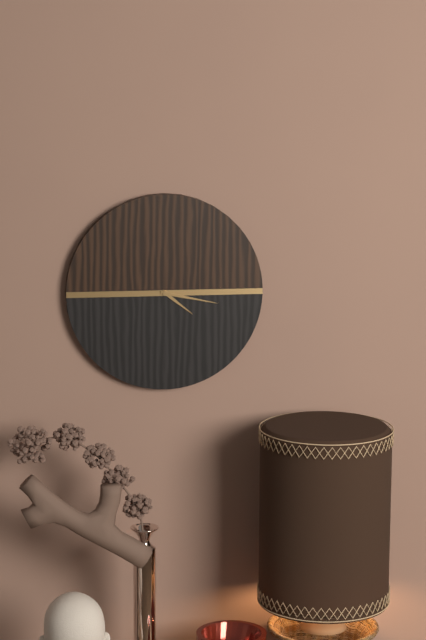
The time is {"hour": 4, "minute": 17}
